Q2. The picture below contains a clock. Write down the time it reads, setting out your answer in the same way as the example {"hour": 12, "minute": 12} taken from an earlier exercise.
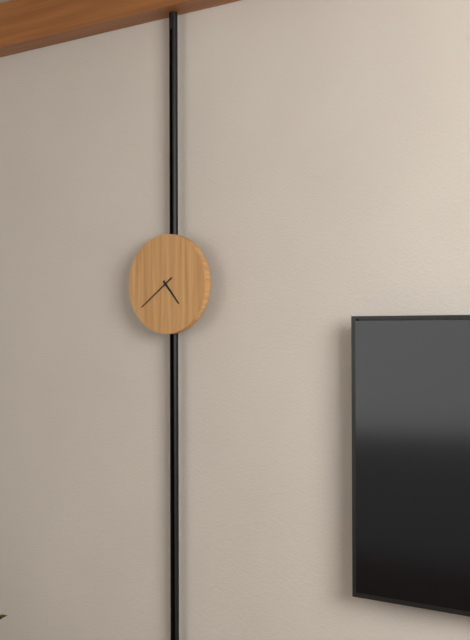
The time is {"hour": 4, "minute": 39}
